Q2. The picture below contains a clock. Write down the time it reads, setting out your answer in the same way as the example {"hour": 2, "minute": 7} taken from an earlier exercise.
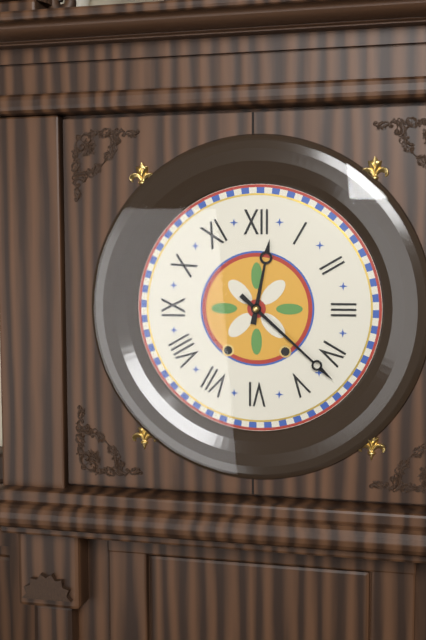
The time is {"hour": 12, "minute": 22}
